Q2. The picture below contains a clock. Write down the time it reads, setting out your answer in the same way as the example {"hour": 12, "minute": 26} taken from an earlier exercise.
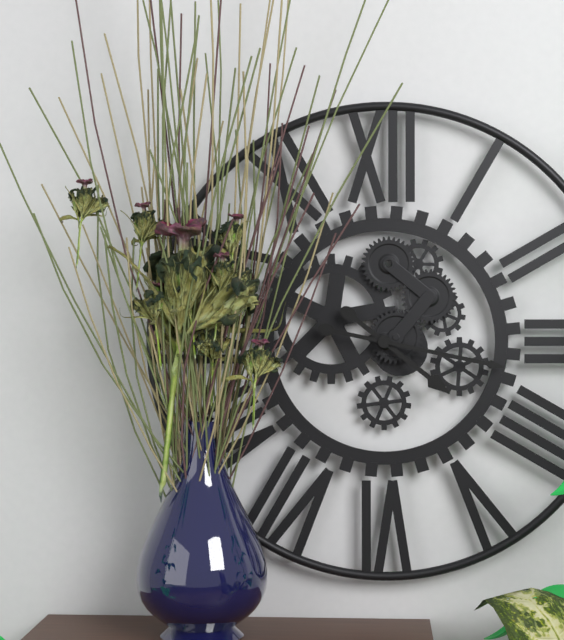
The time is {"hour": 4, "minute": 17}
